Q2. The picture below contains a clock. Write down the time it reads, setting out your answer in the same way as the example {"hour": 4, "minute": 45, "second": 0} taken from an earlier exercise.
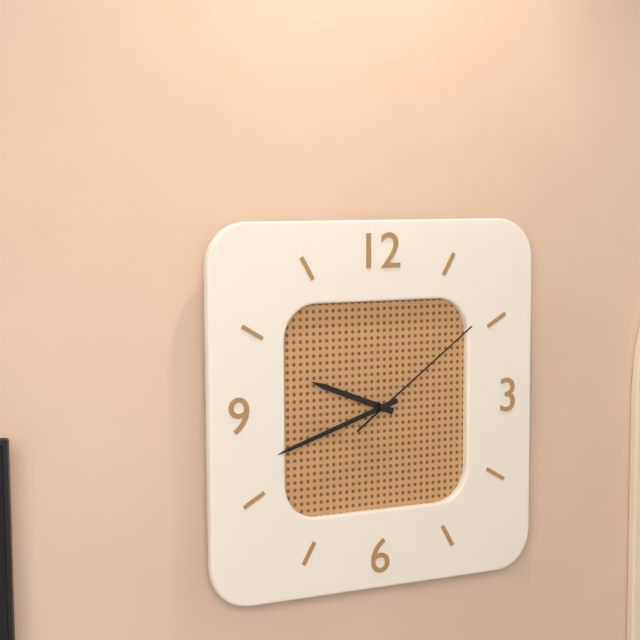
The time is {"hour": 9, "minute": 42, "second": 9}
